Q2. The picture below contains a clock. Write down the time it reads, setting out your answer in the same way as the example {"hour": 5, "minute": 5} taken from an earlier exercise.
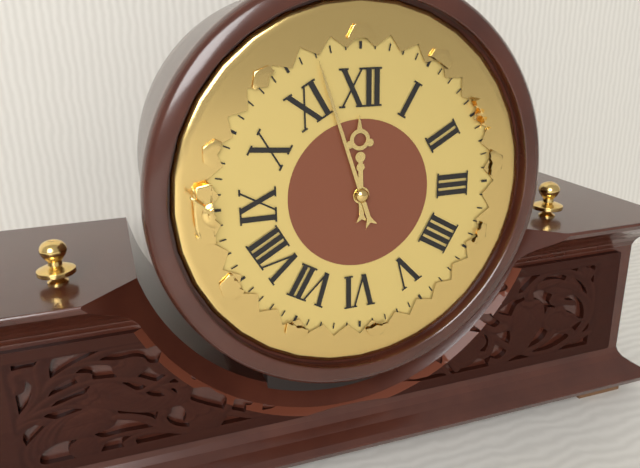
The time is {"hour": 11, "minute": 57}
